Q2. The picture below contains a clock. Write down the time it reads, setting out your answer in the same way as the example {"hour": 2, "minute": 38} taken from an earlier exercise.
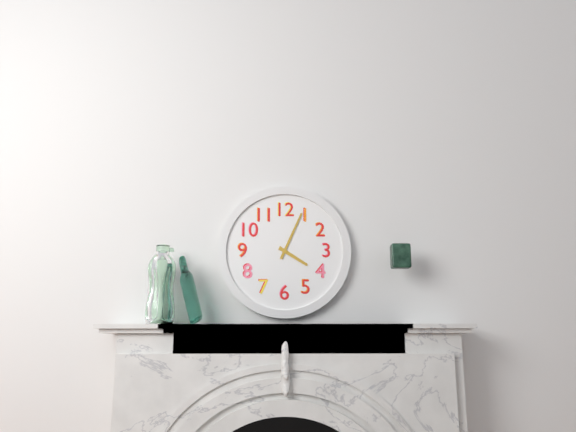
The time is {"hour": 4, "minute": 4}
